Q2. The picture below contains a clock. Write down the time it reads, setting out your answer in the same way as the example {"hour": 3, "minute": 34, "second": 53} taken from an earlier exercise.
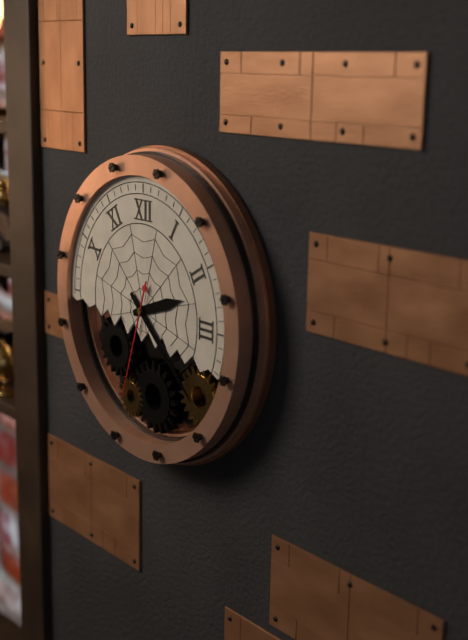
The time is {"hour": 2, "minute": 22, "second": 33}
